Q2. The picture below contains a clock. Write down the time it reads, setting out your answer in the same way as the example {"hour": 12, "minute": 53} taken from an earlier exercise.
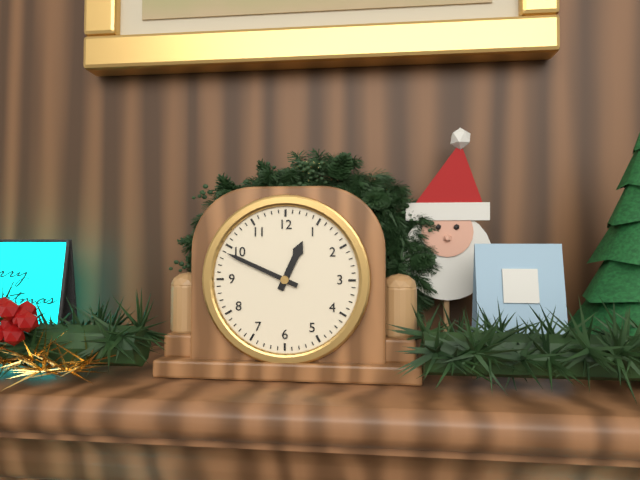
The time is {"hour": 12, "minute": 49}
